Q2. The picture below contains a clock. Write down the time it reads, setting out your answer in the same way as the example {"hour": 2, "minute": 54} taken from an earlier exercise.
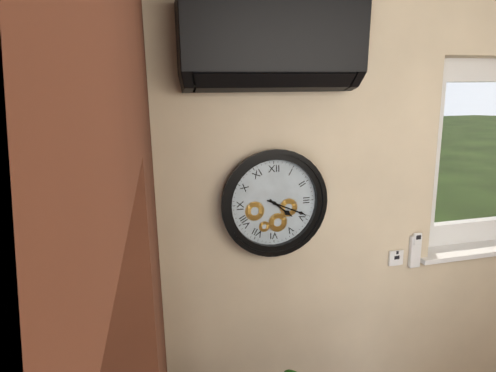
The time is {"hour": 4, "minute": 19}
